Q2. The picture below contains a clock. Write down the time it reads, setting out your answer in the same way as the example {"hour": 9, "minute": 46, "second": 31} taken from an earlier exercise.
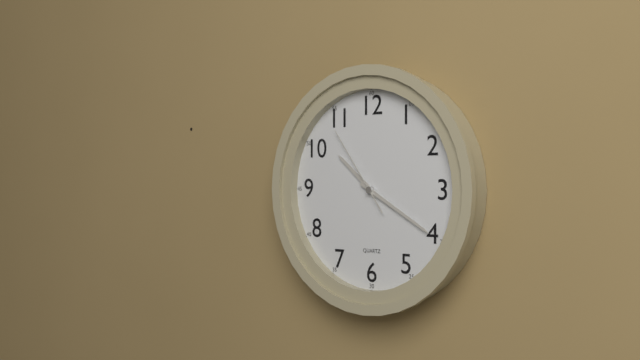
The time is {"hour": 10, "minute": 20, "second": 54}
